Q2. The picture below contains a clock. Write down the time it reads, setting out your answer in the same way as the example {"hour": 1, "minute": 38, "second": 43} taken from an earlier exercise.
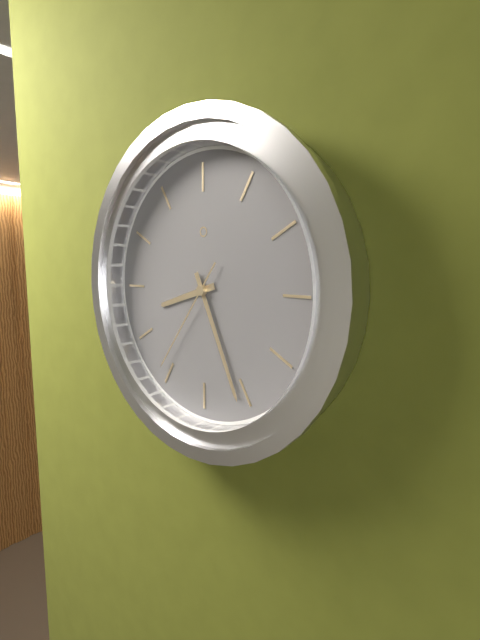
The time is {"hour": 8, "minute": 26, "second": 36}
